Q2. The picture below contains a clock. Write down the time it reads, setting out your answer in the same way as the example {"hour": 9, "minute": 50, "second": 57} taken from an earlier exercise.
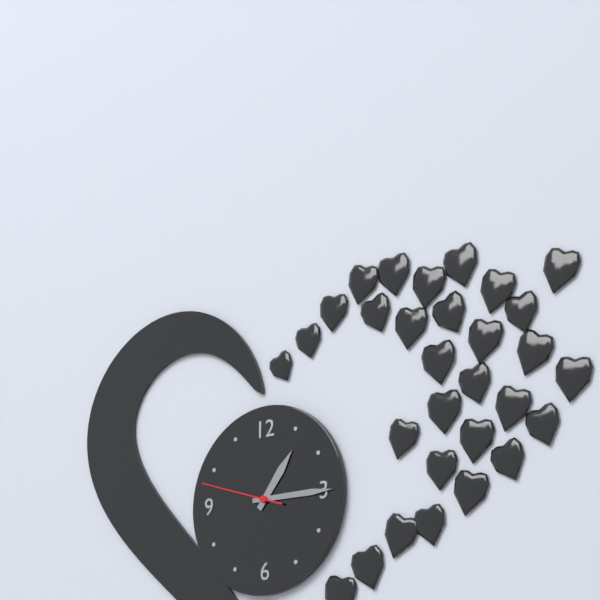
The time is {"hour": 1, "minute": 15, "second": 48}
